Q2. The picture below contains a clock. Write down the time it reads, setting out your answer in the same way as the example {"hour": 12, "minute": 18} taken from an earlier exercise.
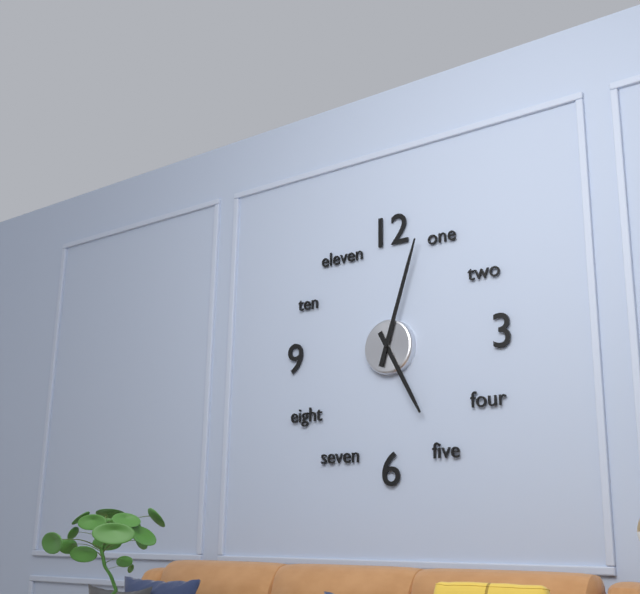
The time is {"hour": 5, "minute": 3}
